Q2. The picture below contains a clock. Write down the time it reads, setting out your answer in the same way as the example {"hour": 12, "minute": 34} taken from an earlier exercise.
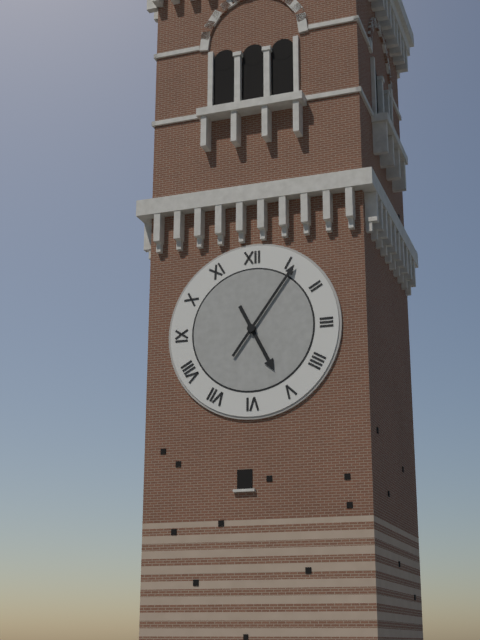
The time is {"hour": 5, "minute": 6}
